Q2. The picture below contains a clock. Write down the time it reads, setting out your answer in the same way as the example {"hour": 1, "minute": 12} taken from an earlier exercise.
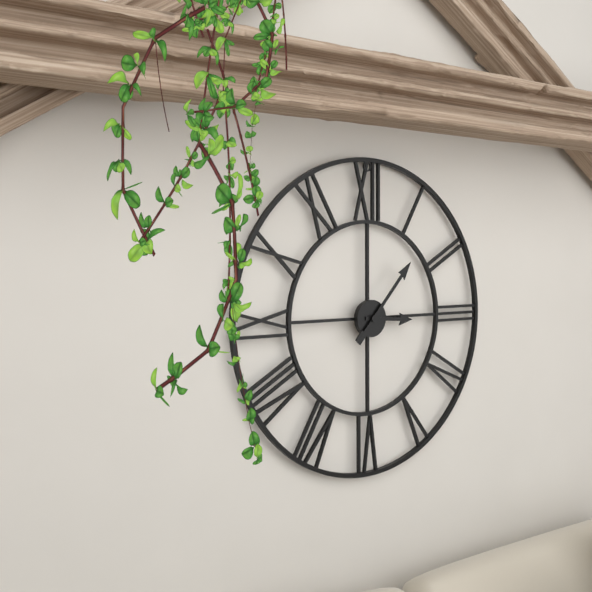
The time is {"hour": 3, "minute": 7}
